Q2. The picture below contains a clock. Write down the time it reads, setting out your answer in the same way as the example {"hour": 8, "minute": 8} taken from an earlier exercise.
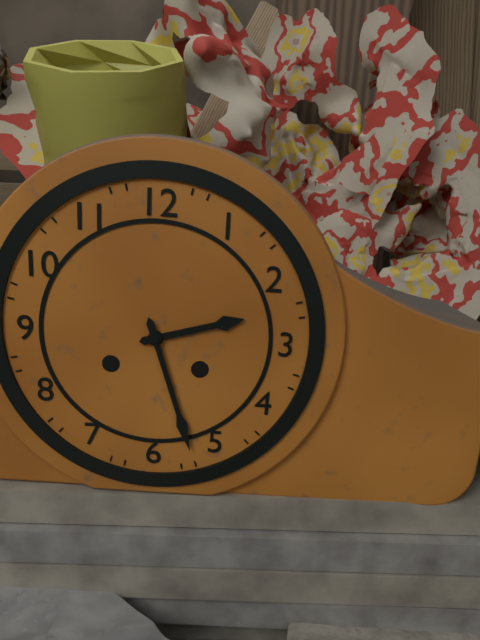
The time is {"hour": 2, "minute": 27}
